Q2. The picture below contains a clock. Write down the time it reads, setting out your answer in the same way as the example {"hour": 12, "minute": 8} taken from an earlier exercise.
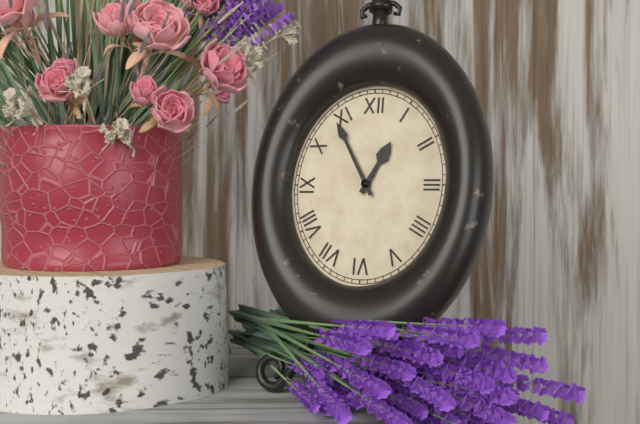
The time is {"hour": 12, "minute": 55}
